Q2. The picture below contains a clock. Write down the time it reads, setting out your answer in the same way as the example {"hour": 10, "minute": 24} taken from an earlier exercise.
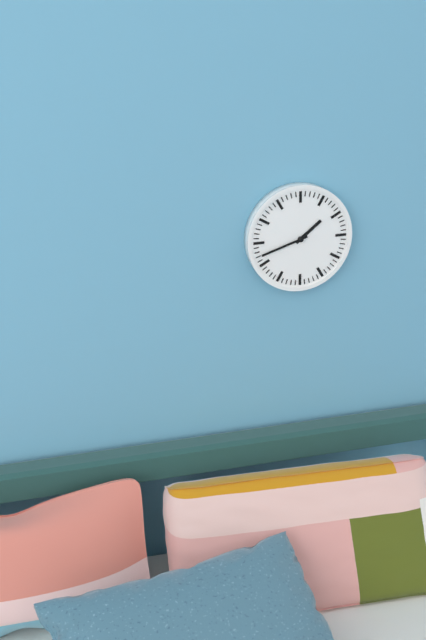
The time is {"hour": 1, "minute": 42}
